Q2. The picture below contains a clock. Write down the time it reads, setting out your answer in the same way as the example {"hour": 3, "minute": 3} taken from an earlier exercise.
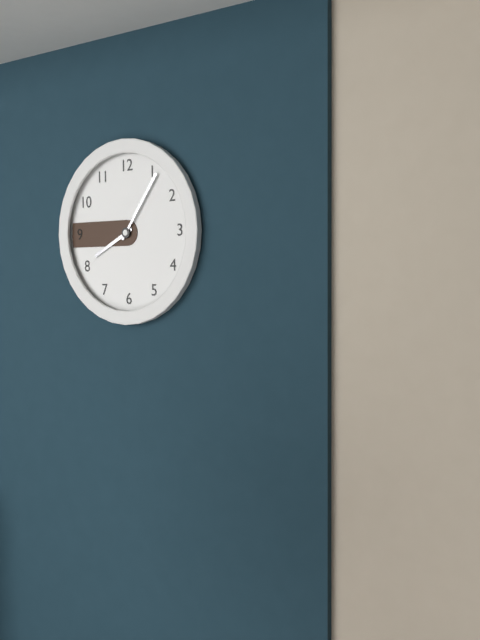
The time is {"hour": 8, "minute": 6}
